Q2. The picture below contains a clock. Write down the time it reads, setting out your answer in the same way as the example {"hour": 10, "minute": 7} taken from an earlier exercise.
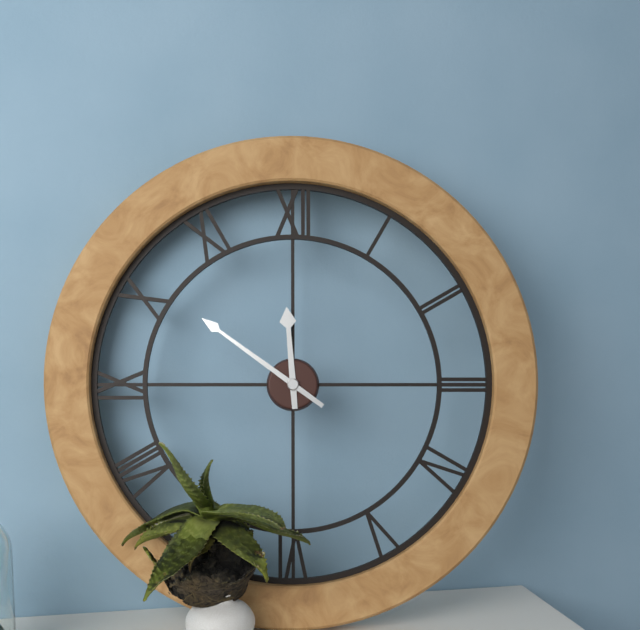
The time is {"hour": 11, "minute": 51}
